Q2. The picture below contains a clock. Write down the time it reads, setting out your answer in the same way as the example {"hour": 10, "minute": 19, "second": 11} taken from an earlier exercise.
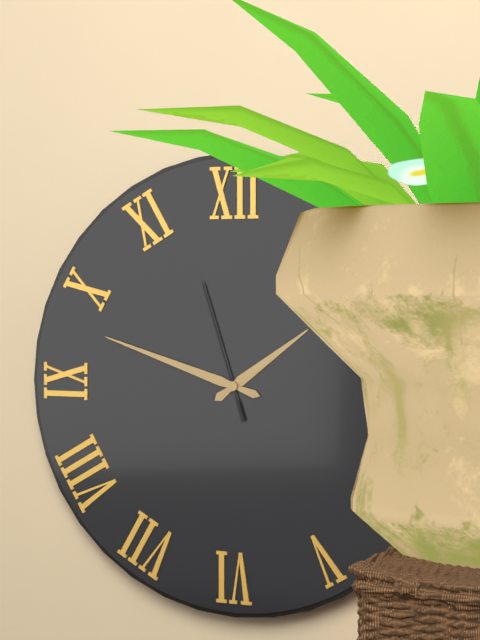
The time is {"hour": 1, "minute": 48, "second": 57}
